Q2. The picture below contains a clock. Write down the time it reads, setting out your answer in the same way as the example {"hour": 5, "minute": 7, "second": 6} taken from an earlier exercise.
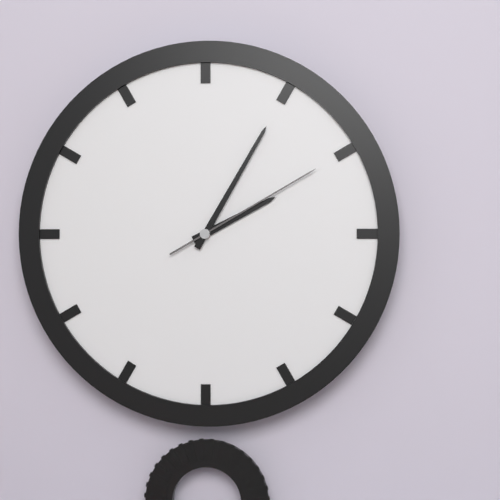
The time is {"hour": 2, "minute": 5, "second": 10}
